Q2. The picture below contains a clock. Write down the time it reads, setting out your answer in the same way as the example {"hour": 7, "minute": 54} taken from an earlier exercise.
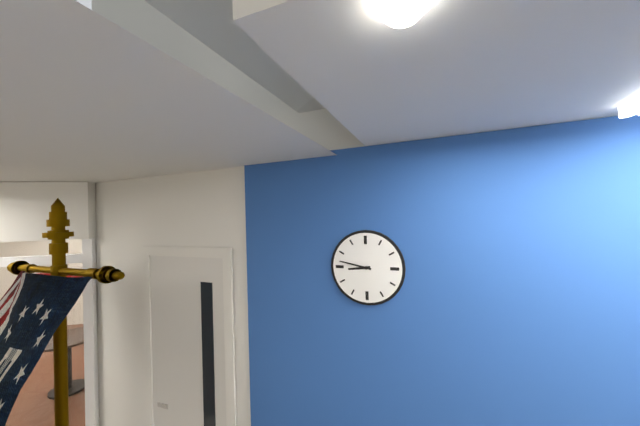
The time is {"hour": 8, "minute": 47}
